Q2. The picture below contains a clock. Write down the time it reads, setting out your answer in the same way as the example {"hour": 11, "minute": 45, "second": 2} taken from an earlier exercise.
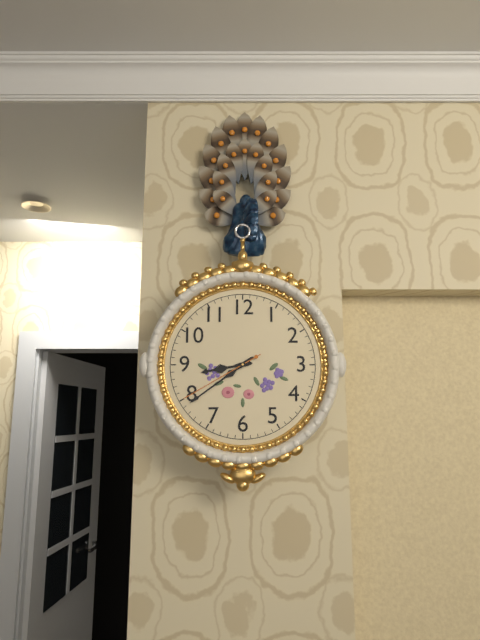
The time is {"hour": 8, "minute": 39, "second": 40}
